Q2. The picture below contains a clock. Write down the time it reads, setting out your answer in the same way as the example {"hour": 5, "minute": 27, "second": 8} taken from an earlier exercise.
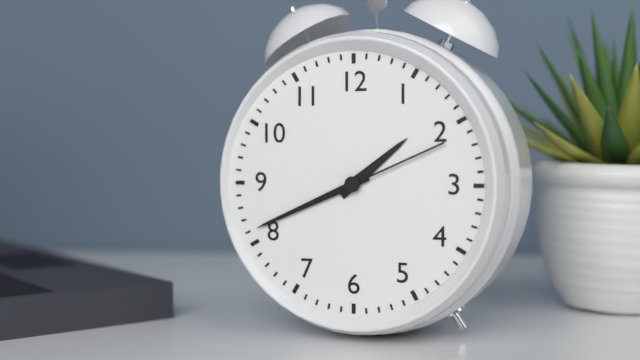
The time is {"hour": 1, "minute": 41, "second": 11}
